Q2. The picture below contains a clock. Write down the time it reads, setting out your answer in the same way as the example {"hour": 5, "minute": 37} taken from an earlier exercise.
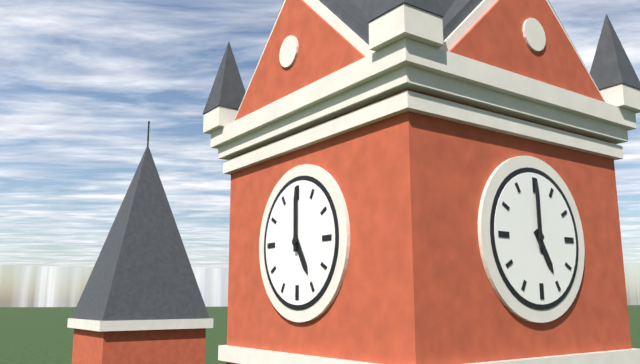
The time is {"hour": 5, "minute": 0}
